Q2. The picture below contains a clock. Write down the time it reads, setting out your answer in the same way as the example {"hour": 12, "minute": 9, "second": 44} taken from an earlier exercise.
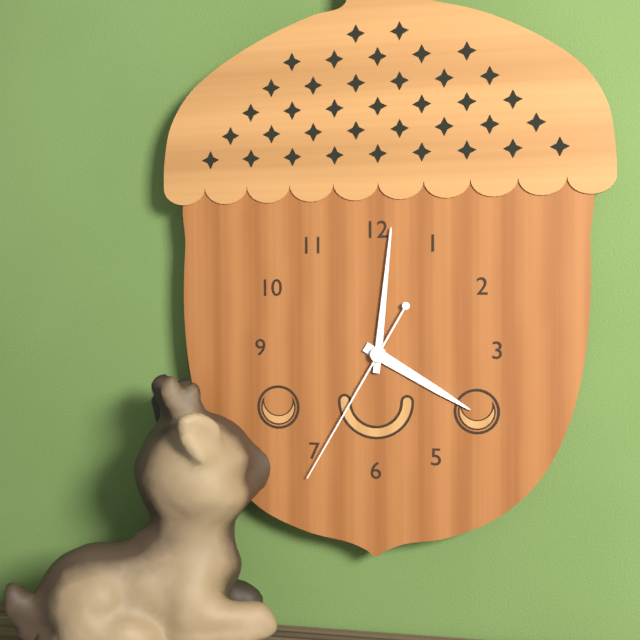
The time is {"hour": 4, "minute": 1, "second": 35}
